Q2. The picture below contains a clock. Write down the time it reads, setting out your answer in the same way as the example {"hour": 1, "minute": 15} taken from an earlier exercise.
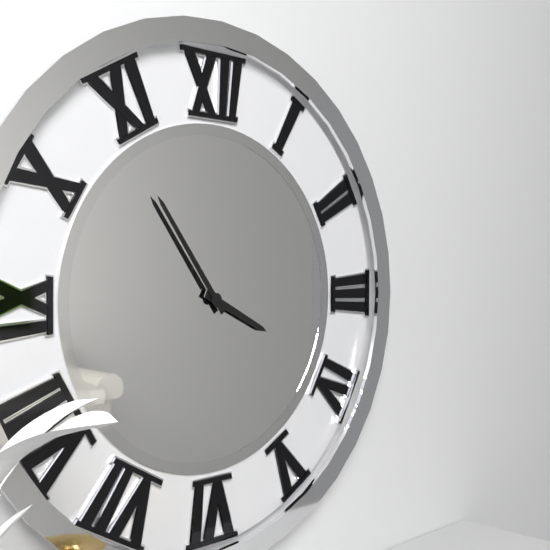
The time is {"hour": 3, "minute": 54}
